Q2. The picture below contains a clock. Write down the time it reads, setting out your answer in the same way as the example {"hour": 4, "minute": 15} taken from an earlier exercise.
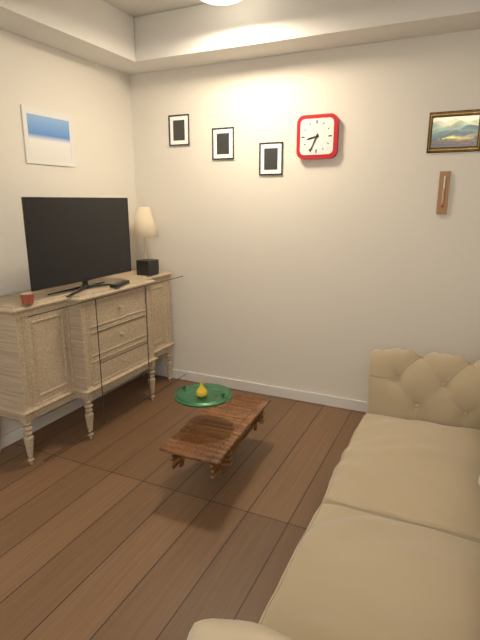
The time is {"hour": 8, "minute": 34}
